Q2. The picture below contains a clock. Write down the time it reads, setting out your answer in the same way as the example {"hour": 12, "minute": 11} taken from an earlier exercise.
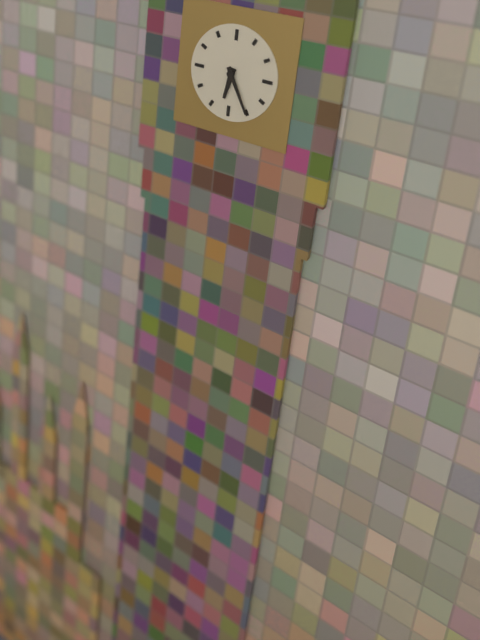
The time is {"hour": 6, "minute": 25}
